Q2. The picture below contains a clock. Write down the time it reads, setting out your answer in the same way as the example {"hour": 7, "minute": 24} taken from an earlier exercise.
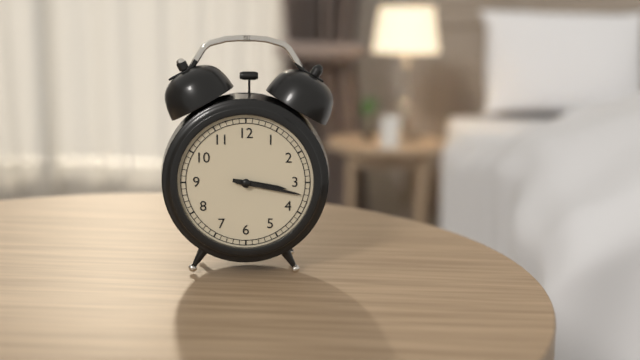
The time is {"hour": 3, "minute": 17}
